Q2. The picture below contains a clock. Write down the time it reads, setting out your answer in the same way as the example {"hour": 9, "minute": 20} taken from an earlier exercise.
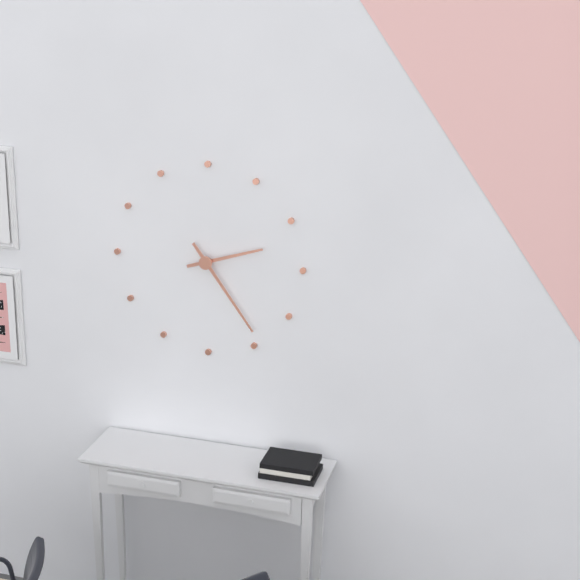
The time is {"hour": 2, "minute": 24}
